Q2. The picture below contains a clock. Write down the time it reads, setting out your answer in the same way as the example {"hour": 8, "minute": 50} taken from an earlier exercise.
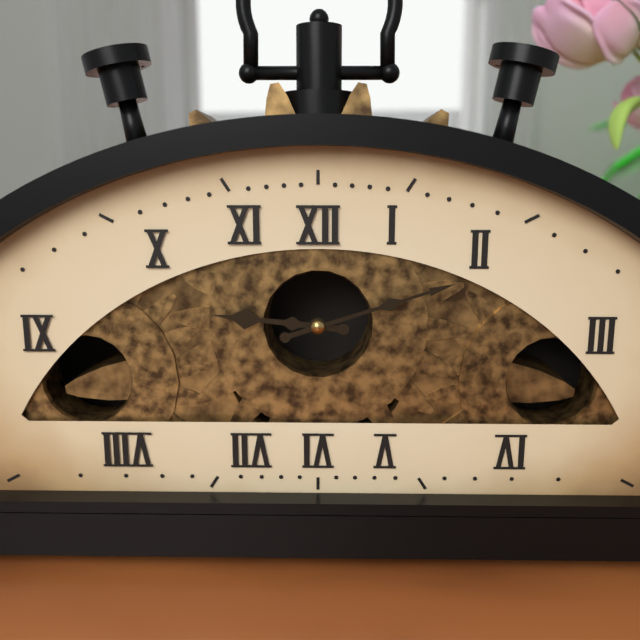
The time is {"hour": 9, "minute": 12}
